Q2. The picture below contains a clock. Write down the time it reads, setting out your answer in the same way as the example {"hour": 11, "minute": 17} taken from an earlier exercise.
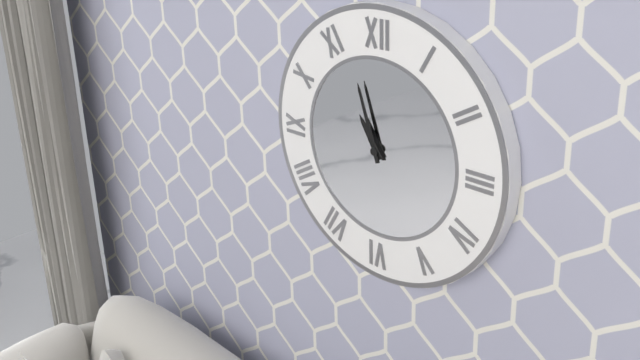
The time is {"hour": 10, "minute": 57}
